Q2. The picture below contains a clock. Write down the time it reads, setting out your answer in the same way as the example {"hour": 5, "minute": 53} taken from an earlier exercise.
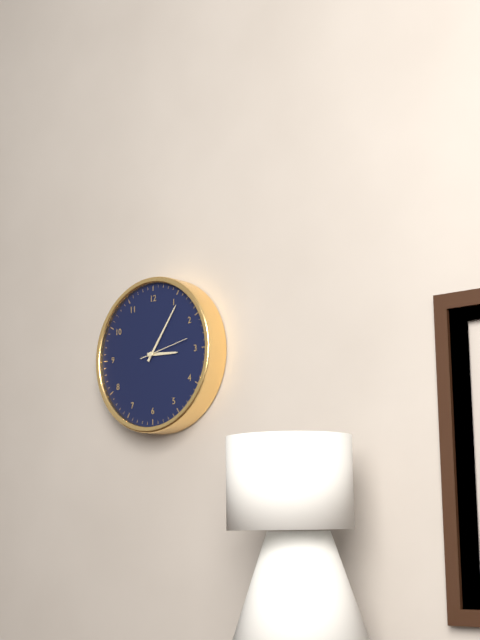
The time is {"hour": 3, "minute": 6}
